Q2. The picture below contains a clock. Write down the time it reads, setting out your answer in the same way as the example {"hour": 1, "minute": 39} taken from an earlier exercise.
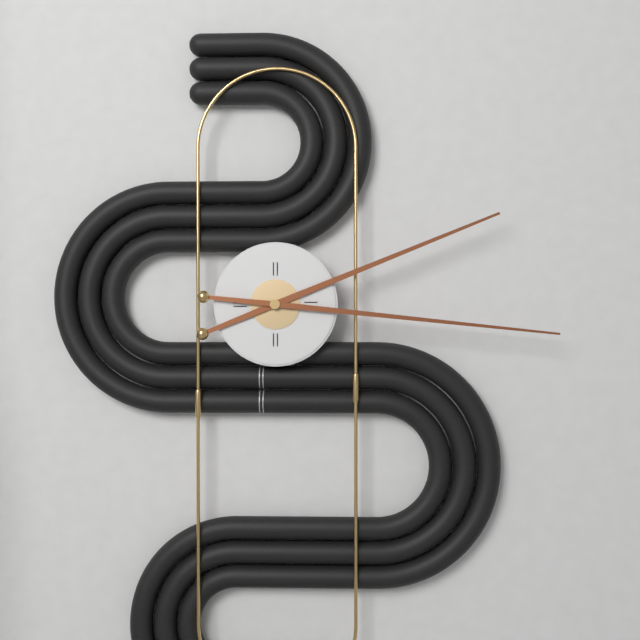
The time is {"hour": 2, "minute": 16}
